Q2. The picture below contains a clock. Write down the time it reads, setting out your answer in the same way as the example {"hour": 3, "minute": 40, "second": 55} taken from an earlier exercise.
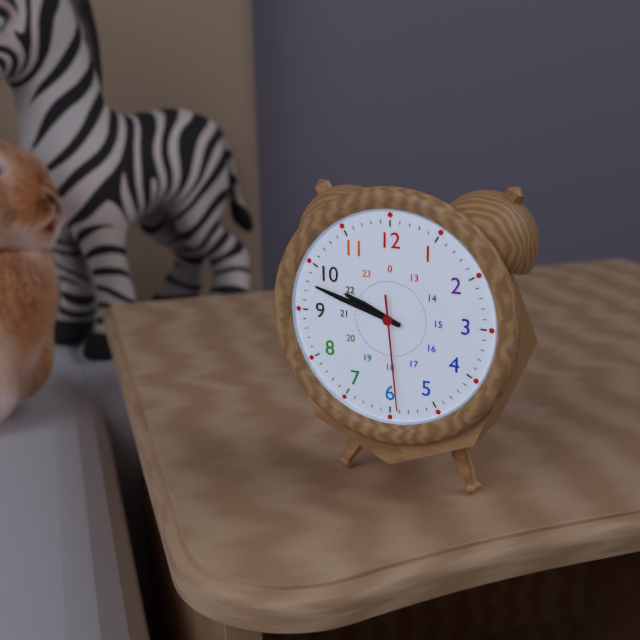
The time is {"hour": 9, "minute": 48, "second": 29}
